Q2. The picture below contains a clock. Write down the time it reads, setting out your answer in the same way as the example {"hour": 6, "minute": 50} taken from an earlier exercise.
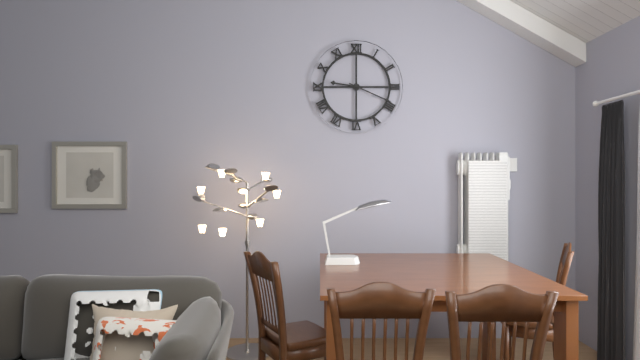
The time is {"hour": 9, "minute": 19}
